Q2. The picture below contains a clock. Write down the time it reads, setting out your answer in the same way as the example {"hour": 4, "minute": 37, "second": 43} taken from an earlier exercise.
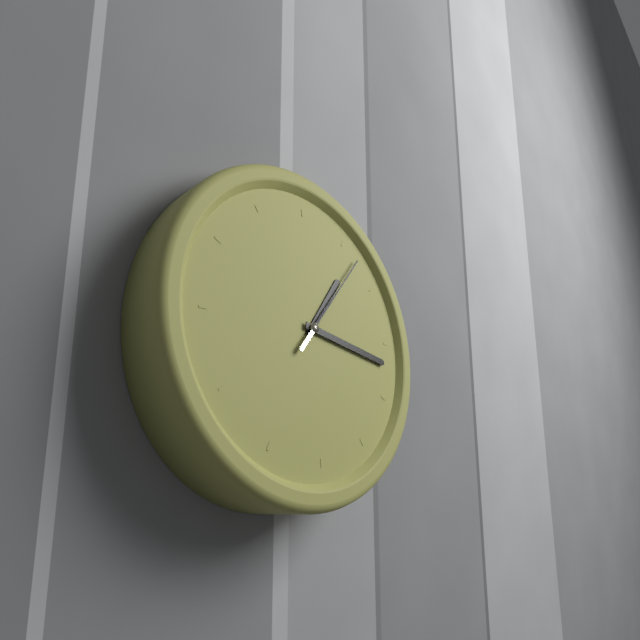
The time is {"hour": 1, "minute": 17, "second": 7}
